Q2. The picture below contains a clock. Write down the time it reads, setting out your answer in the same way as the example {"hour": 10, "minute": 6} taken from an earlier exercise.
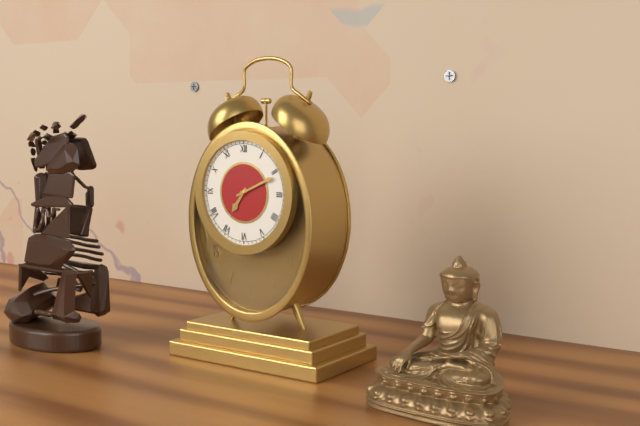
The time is {"hour": 7, "minute": 11}
